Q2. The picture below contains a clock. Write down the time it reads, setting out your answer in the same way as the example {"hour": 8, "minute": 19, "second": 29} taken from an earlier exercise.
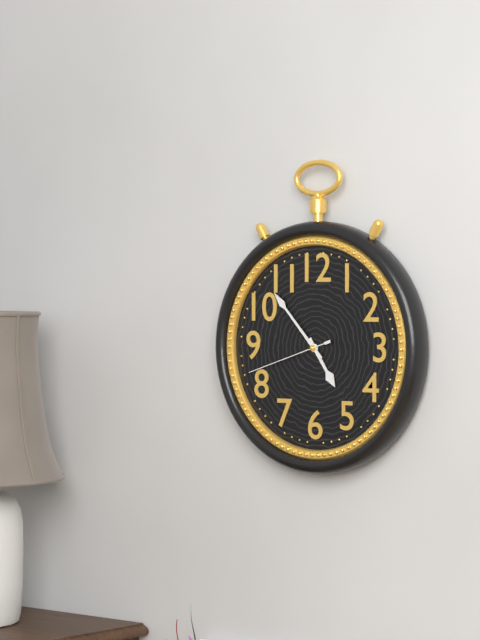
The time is {"hour": 4, "minute": 53, "second": 42}
